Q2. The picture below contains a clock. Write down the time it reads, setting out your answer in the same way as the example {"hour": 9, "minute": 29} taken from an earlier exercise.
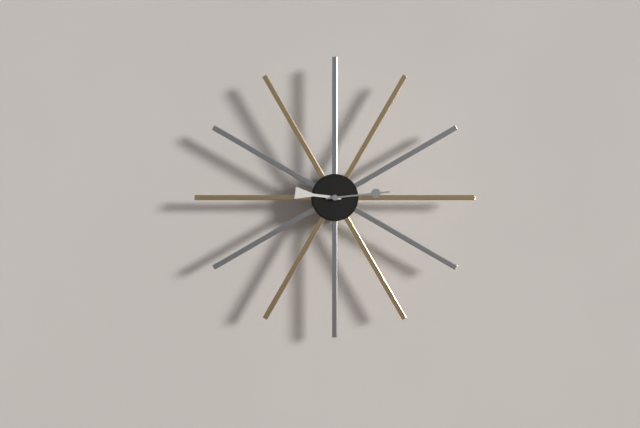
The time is {"hour": 9, "minute": 14}
